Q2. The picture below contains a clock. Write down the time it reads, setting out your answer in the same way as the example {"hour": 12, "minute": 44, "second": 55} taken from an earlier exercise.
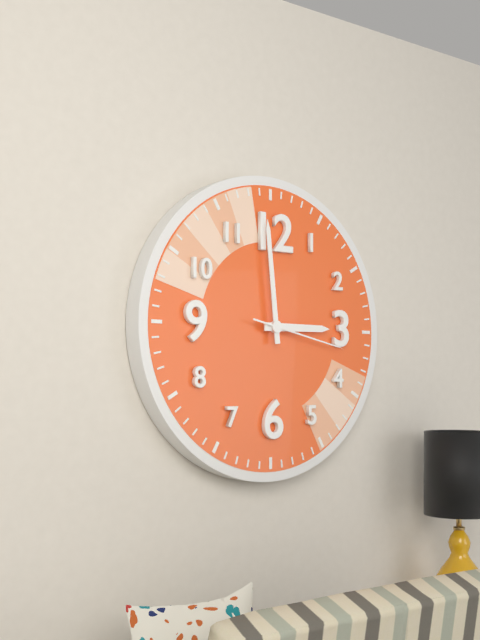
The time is {"hour": 2, "minute": 59, "second": 17}
